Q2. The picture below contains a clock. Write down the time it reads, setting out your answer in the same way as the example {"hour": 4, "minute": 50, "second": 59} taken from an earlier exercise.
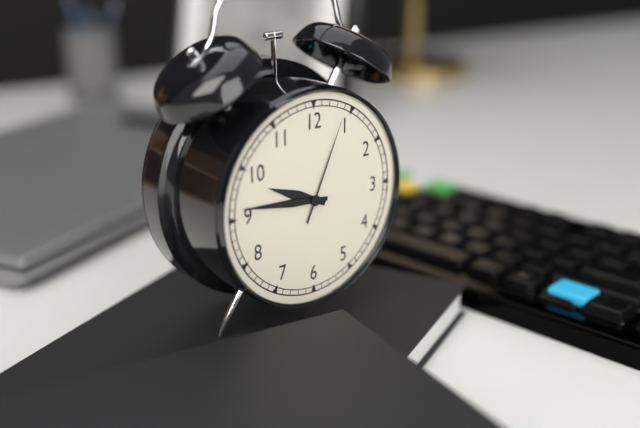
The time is {"hour": 9, "minute": 46, "second": 4}
